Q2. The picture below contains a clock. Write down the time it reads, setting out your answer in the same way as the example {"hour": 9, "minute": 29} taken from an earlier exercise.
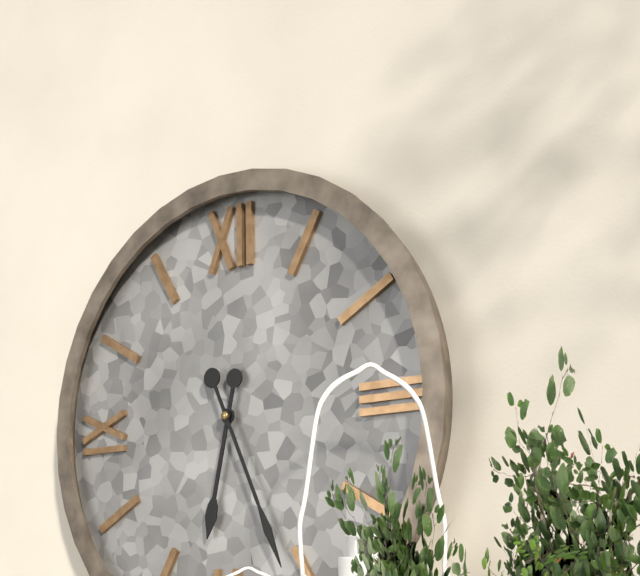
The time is {"hour": 6, "minute": 26}
